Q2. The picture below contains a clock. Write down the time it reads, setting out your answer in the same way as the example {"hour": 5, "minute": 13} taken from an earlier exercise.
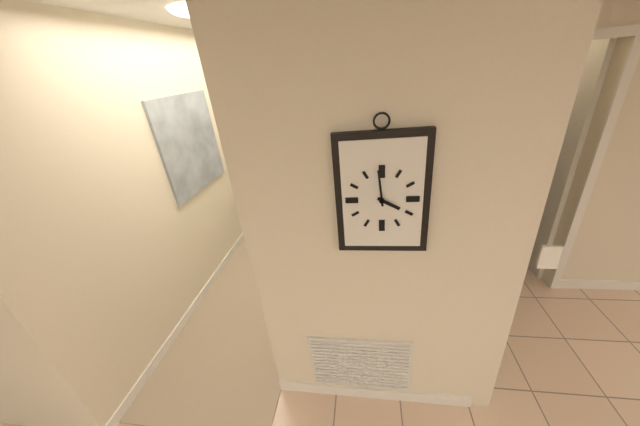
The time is {"hour": 3, "minute": 59}
